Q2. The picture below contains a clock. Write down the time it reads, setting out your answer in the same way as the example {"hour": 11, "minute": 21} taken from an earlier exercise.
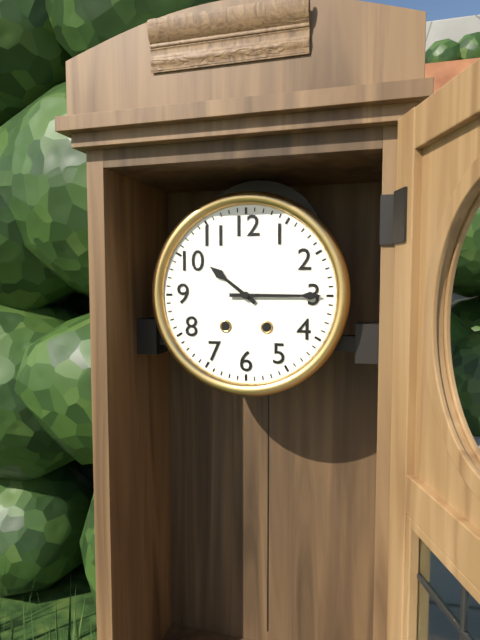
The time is {"hour": 10, "minute": 15}
